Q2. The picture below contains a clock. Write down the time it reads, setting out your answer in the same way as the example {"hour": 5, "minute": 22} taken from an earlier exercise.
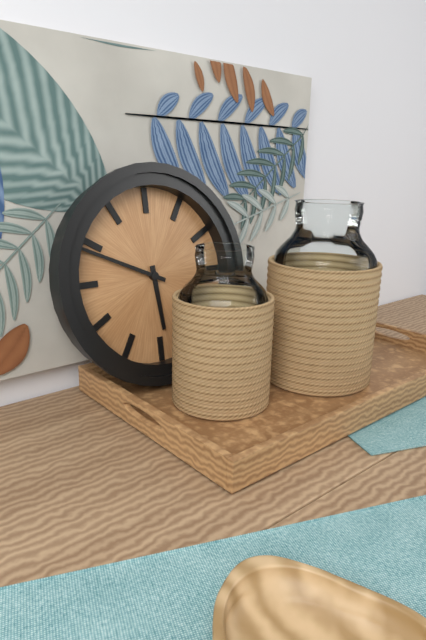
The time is {"hour": 5, "minute": 49}
